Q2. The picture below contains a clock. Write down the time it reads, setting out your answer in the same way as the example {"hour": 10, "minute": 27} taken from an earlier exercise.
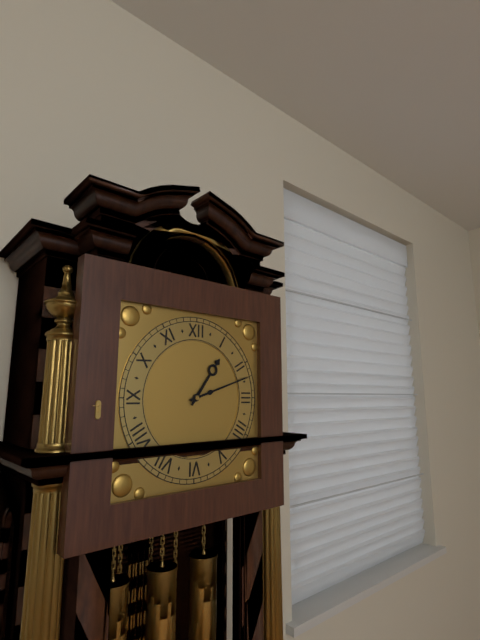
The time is {"hour": 1, "minute": 12}
